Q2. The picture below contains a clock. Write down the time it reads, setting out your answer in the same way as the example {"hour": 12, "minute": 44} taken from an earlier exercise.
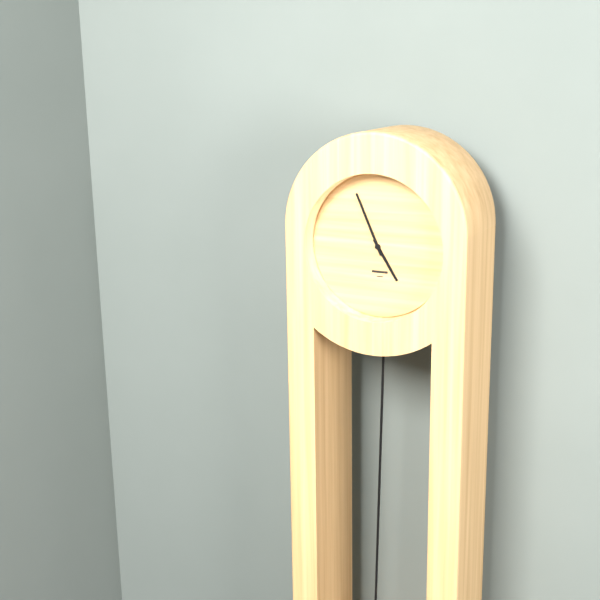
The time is {"hour": 4, "minute": 56}
